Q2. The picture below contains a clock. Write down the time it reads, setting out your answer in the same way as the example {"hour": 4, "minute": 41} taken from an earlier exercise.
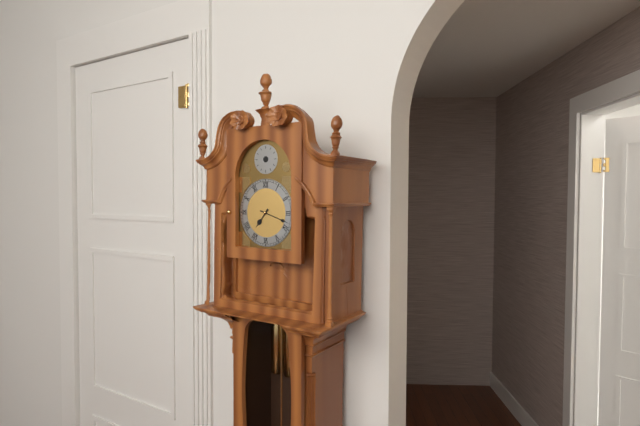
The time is {"hour": 7, "minute": 18}
